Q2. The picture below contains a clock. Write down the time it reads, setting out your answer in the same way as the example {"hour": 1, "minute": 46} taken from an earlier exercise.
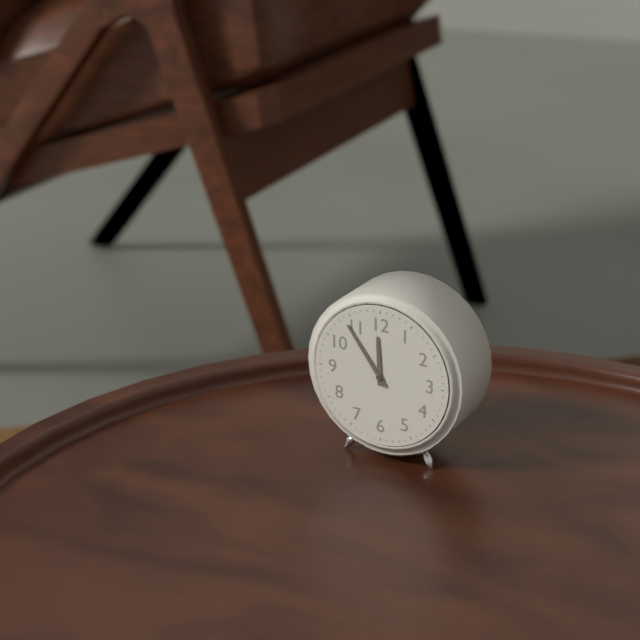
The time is {"hour": 11, "minute": 54}
